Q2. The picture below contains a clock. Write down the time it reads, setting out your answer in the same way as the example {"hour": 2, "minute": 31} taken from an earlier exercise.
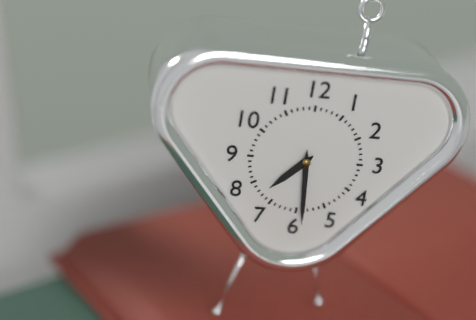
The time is {"hour": 7, "minute": 29}
